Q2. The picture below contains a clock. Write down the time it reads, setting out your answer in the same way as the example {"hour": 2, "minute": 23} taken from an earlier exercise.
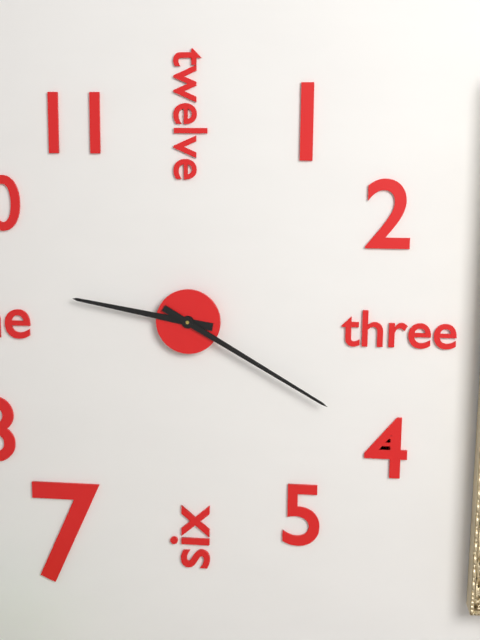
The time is {"hour": 9, "minute": 20}
